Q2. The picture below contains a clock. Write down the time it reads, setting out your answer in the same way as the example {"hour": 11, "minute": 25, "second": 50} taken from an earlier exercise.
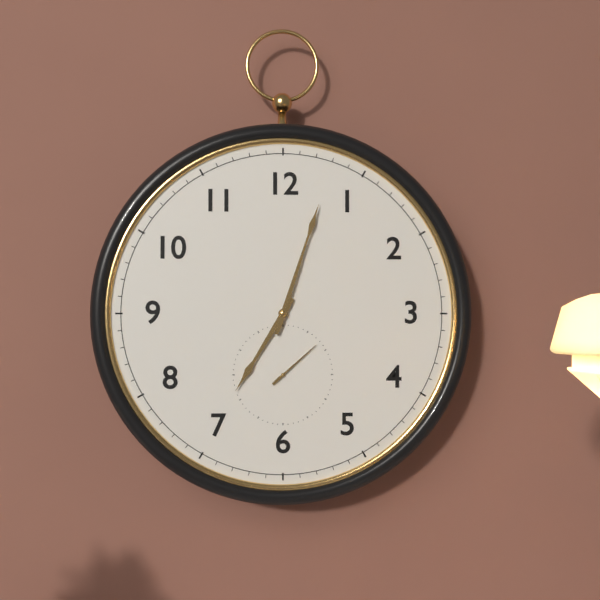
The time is {"hour": 7, "minute": 3, "second": 8}
